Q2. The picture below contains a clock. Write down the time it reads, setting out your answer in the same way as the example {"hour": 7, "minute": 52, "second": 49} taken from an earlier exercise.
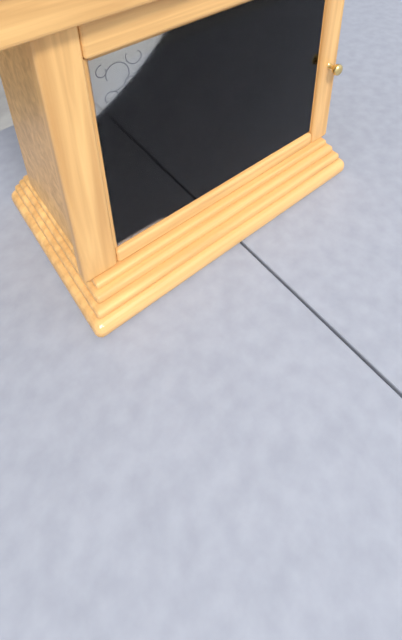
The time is {"hour": 3, "minute": 4, "second": 42}
